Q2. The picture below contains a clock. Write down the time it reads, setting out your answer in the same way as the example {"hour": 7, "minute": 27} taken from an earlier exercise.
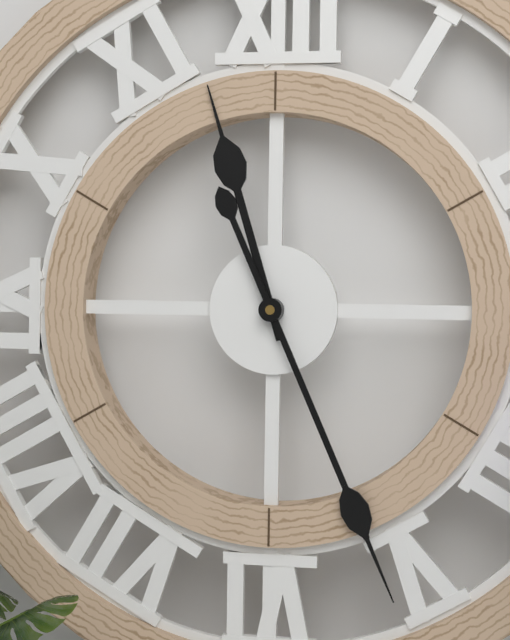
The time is {"hour": 11, "minute": 26}
